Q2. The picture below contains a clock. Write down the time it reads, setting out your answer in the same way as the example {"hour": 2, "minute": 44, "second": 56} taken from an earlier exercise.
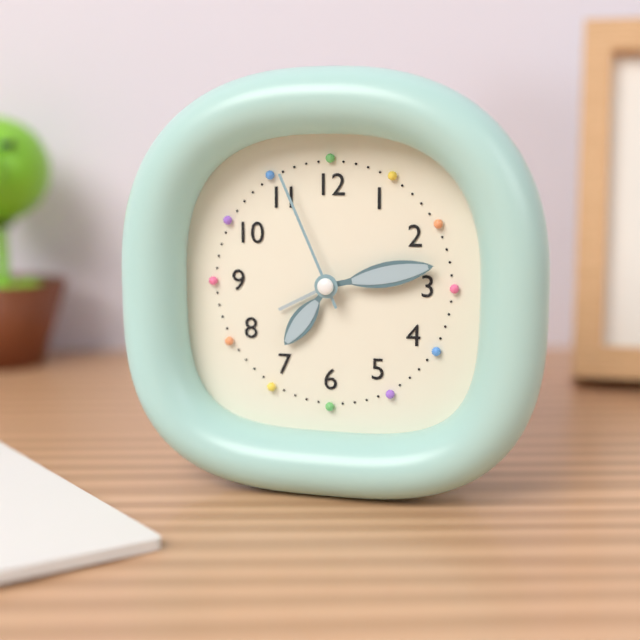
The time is {"hour": 7, "minute": 13, "second": 56}
